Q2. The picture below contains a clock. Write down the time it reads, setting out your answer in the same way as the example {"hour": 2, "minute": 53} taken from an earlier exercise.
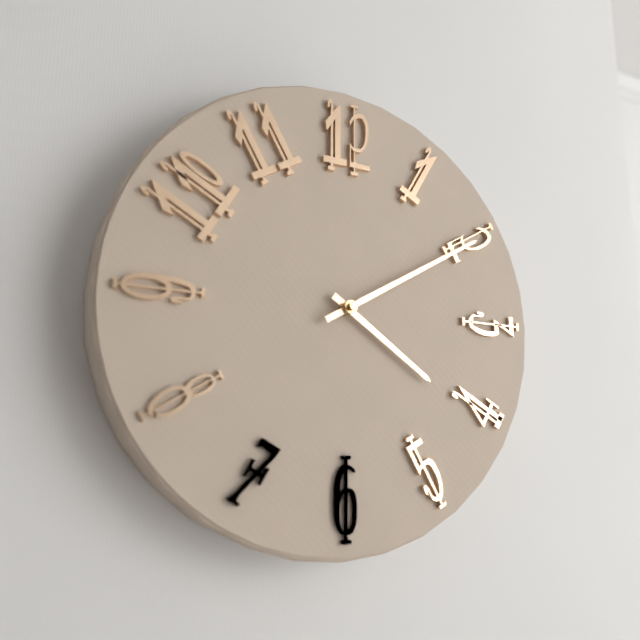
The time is {"hour": 4, "minute": 10}
